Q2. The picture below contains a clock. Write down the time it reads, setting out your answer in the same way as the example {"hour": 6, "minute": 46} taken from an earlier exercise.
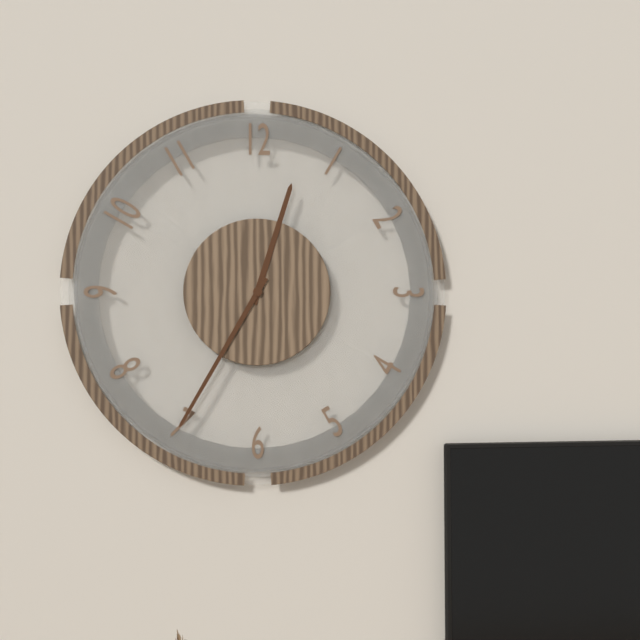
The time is {"hour": 12, "minute": 35}
